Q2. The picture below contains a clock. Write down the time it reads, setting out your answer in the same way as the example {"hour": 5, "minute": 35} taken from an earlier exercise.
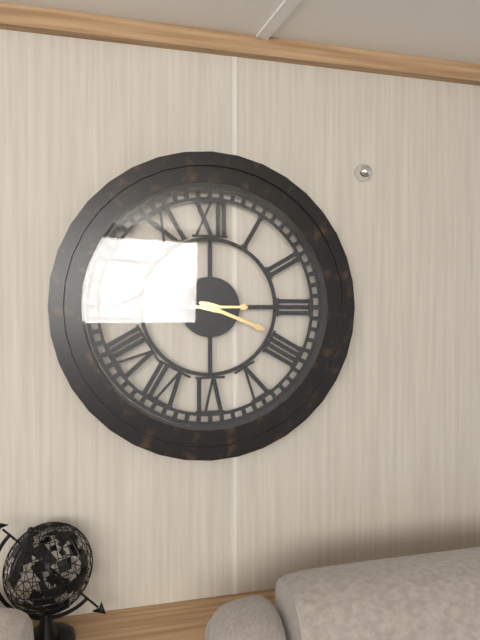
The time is {"hour": 3, "minute": 45}
